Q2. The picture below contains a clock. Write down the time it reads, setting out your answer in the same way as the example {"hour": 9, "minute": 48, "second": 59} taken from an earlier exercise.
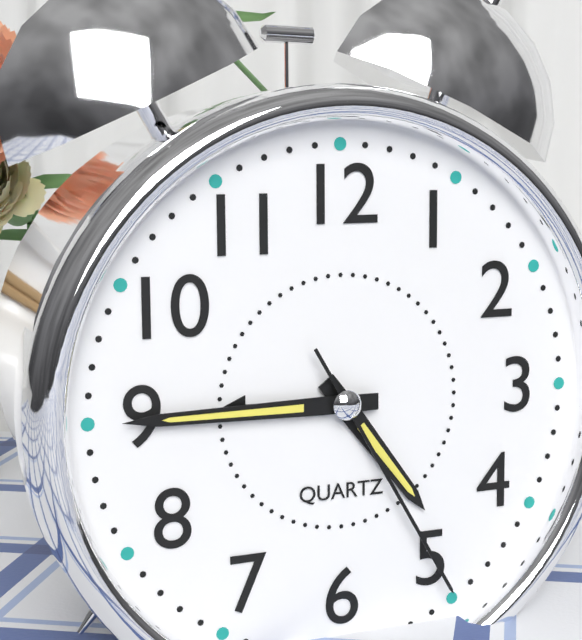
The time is {"hour": 4, "minute": 45, "second": 25}
